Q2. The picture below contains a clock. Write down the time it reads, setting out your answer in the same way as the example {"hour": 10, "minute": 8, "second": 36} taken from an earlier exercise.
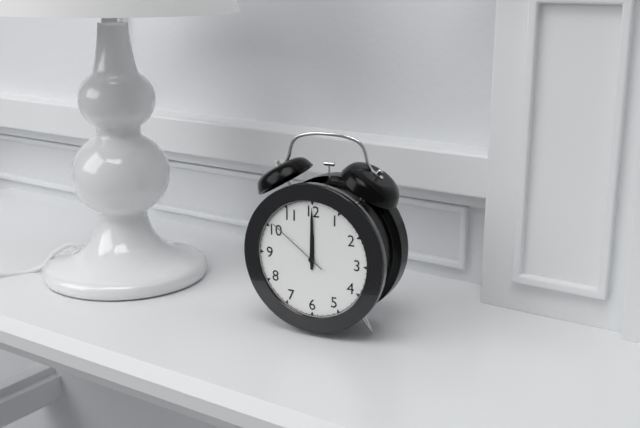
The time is {"hour": 12, "minute": 0, "second": 51}
